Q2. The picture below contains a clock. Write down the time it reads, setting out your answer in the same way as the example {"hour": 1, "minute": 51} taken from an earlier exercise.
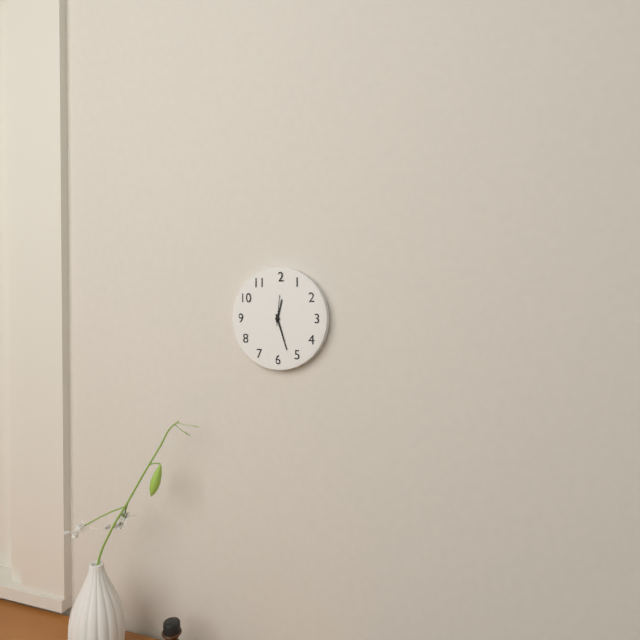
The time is {"hour": 12, "minute": 27}
